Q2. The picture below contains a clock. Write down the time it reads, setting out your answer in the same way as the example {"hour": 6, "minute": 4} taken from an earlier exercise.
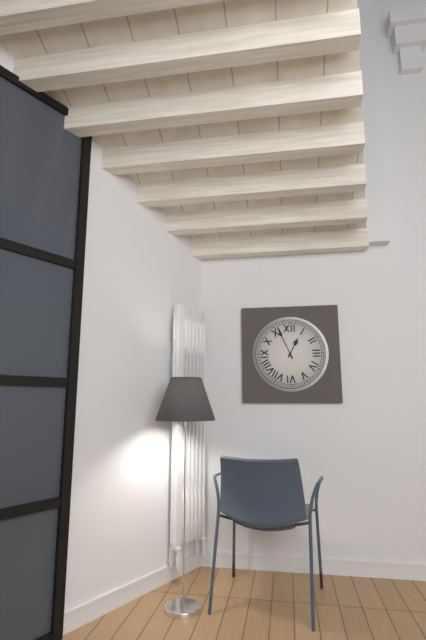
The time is {"hour": 12, "minute": 56}
